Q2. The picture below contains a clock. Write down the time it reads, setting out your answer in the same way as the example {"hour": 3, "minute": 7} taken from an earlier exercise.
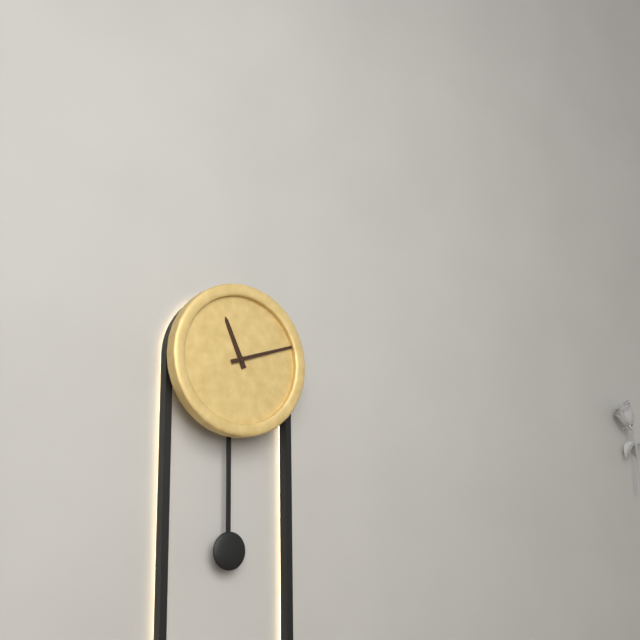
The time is {"hour": 11, "minute": 12}
